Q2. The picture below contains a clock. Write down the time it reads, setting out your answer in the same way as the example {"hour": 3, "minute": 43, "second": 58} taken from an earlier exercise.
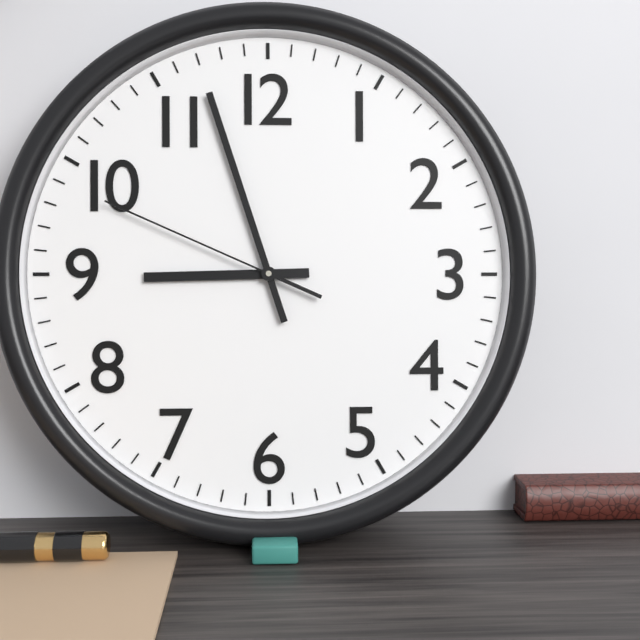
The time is {"hour": 8, "minute": 57, "second": 49}
